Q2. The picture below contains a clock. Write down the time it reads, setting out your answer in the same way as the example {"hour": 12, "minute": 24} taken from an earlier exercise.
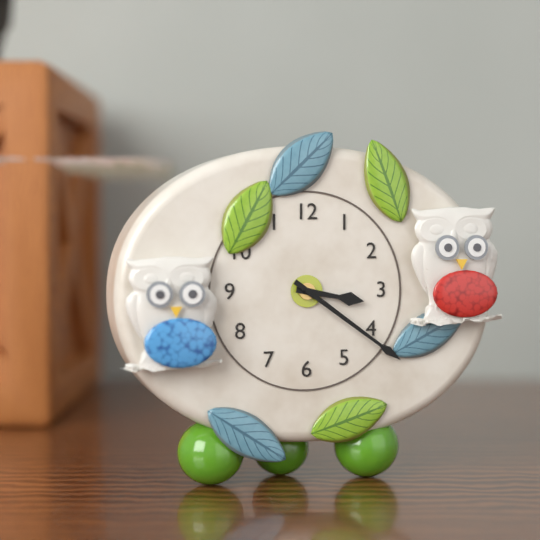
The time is {"hour": 3, "minute": 21}
